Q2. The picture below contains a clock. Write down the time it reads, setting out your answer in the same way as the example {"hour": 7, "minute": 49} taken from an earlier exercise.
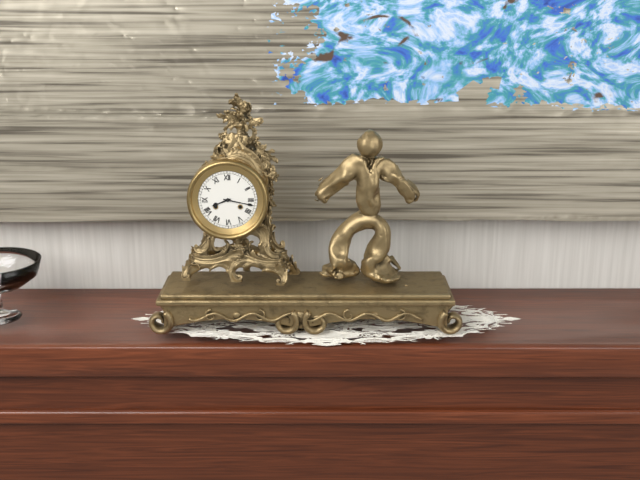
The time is {"hour": 8, "minute": 17}
